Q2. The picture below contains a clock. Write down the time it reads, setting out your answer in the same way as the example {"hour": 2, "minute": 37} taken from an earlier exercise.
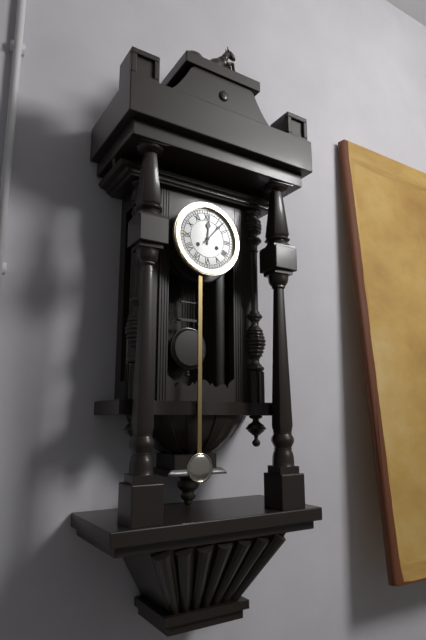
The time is {"hour": 12, "minute": 7}
